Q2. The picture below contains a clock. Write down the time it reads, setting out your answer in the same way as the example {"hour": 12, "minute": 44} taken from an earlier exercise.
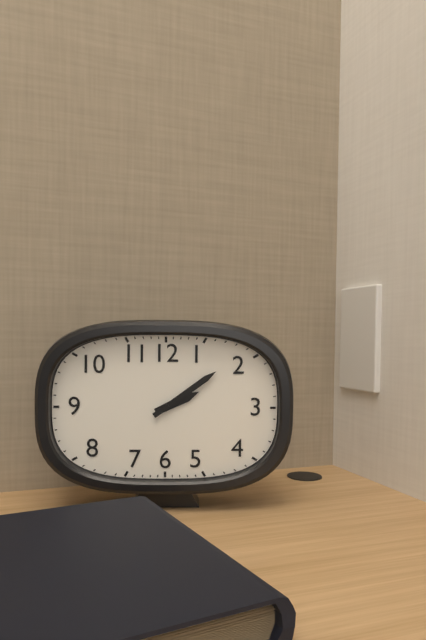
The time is {"hour": 2, "minute": 9}
